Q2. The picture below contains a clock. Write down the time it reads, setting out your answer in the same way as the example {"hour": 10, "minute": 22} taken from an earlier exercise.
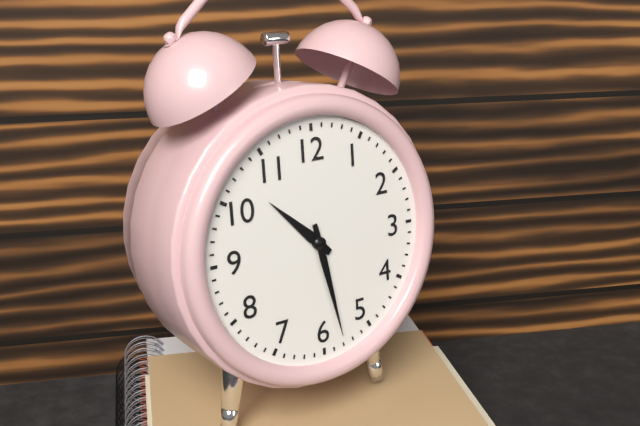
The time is {"hour": 10, "minute": 28}
